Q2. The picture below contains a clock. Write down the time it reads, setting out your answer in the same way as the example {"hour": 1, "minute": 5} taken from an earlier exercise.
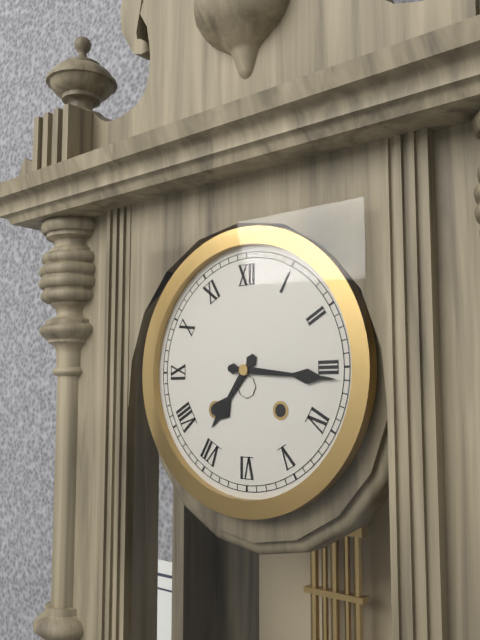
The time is {"hour": 7, "minute": 16}
